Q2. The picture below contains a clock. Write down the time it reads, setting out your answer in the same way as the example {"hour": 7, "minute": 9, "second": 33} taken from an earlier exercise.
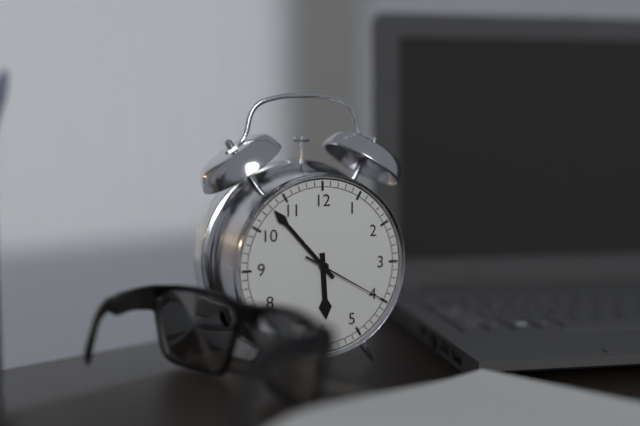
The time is {"hour": 5, "minute": 53, "second": 20}
